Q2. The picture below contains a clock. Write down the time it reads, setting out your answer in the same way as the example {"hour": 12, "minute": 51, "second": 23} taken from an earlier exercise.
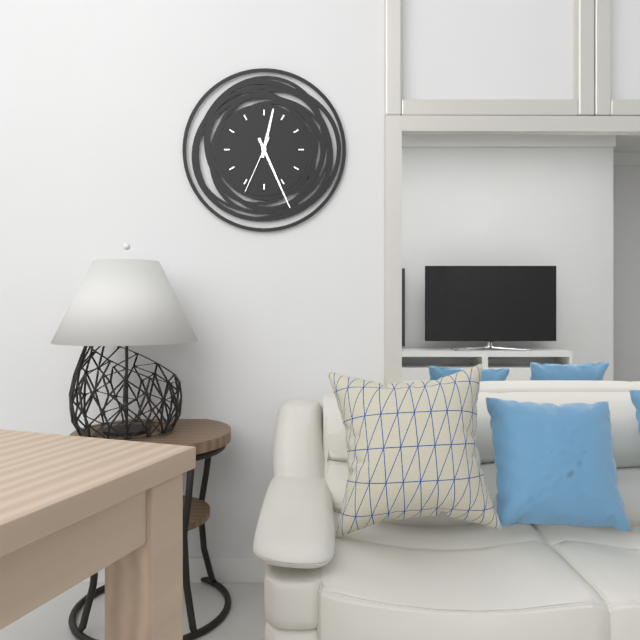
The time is {"hour": 12, "minute": 26, "second": 34}
